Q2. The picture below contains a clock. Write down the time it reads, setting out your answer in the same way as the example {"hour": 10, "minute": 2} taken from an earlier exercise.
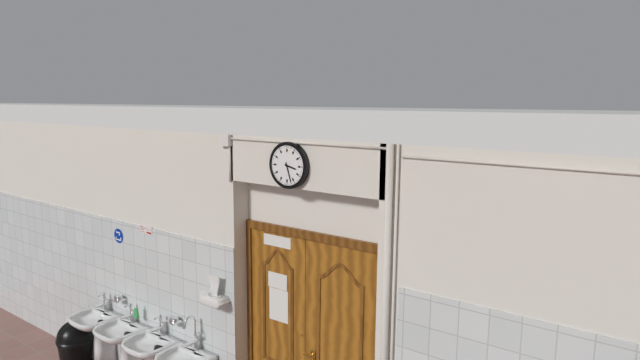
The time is {"hour": 3, "minute": 27}
